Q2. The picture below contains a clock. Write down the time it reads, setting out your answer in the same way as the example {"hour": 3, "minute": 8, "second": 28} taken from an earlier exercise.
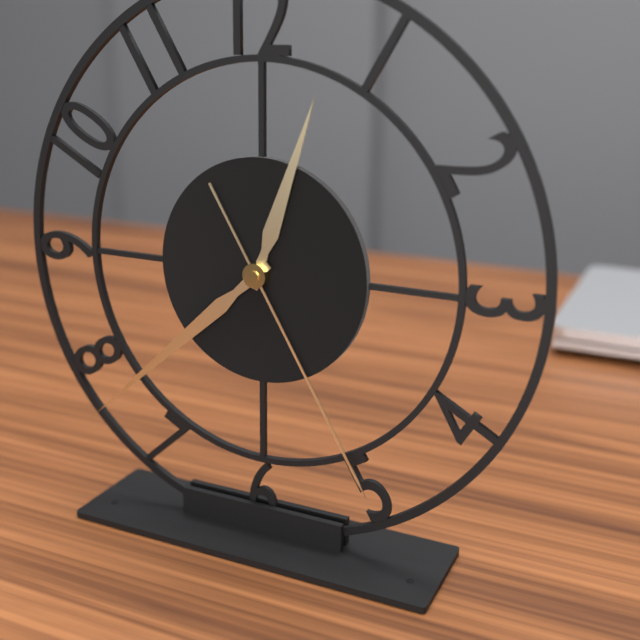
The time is {"hour": 12, "minute": 38, "second": 25}
